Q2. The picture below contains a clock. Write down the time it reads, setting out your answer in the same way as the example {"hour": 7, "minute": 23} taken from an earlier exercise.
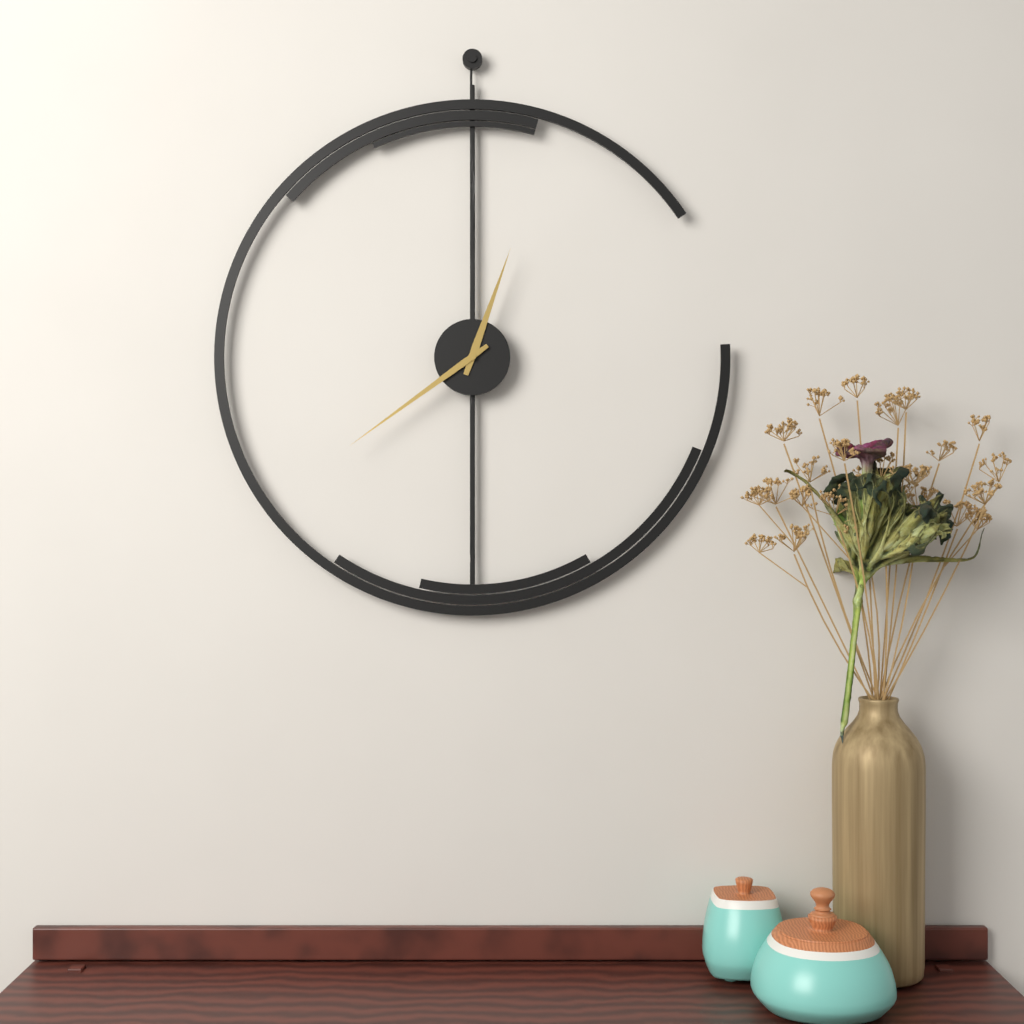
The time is {"hour": 12, "minute": 39}
